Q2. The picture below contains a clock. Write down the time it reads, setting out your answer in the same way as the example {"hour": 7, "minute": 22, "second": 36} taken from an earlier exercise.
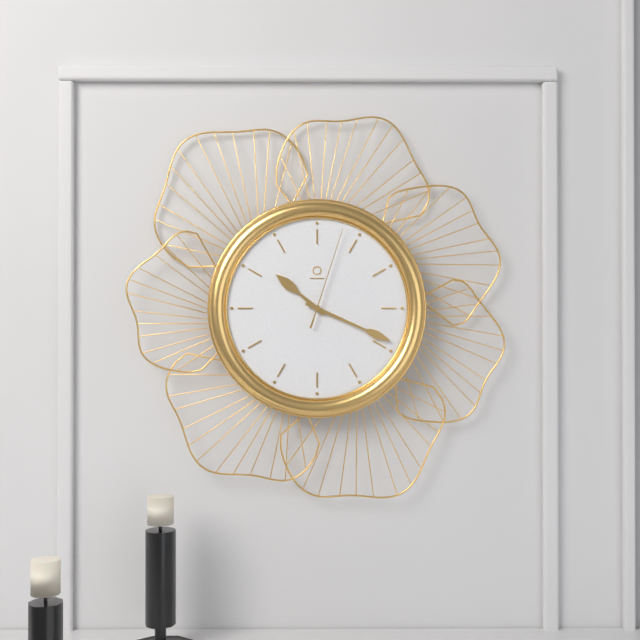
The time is {"hour": 10, "minute": 19, "second": 3}
